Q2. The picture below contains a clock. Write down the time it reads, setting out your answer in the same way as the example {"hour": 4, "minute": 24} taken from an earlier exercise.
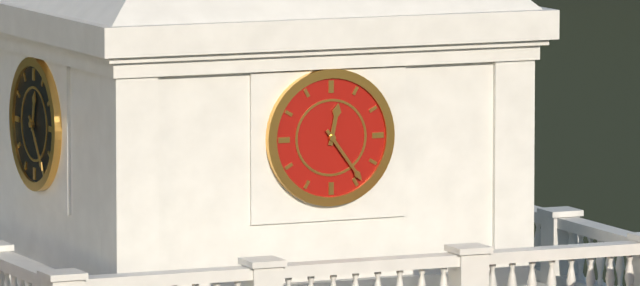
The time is {"hour": 12, "minute": 24}
